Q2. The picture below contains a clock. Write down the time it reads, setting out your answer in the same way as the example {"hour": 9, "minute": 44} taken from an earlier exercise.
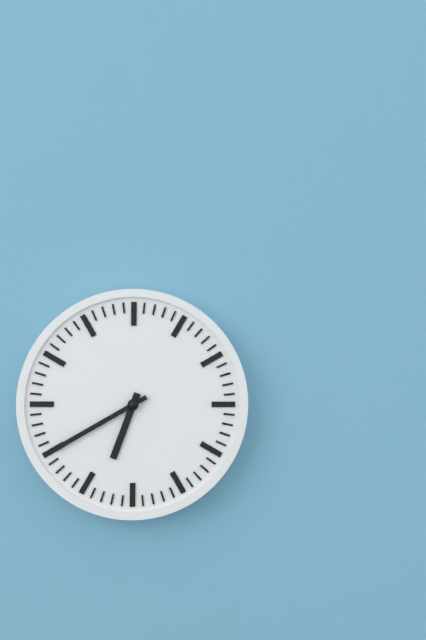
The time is {"hour": 6, "minute": 40}
